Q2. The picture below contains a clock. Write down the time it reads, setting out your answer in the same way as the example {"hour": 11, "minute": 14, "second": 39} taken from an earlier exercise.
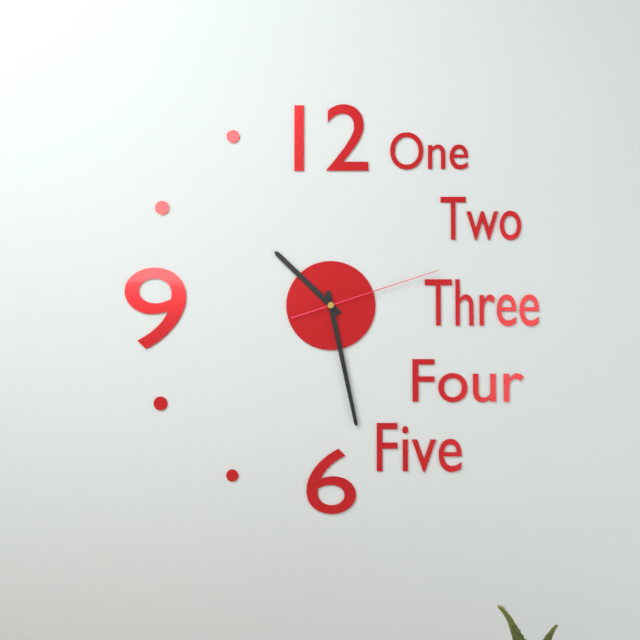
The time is {"hour": 10, "minute": 28, "second": 12}
